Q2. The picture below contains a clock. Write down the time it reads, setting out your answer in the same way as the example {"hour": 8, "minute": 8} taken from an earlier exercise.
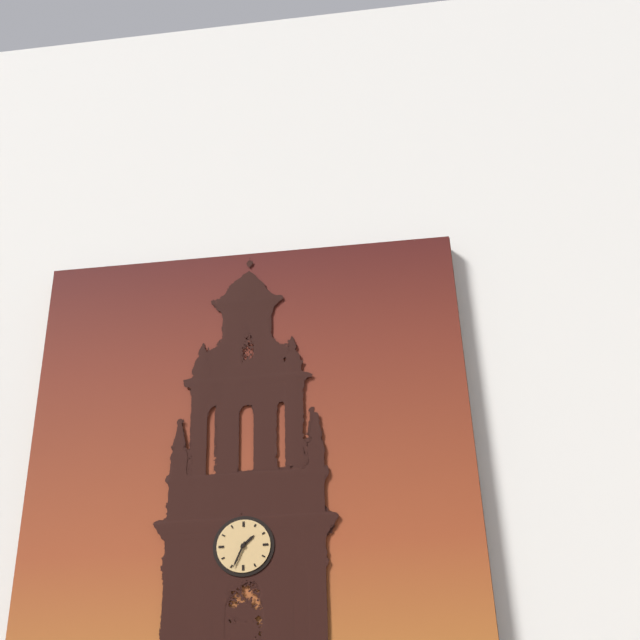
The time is {"hour": 1, "minute": 34}
